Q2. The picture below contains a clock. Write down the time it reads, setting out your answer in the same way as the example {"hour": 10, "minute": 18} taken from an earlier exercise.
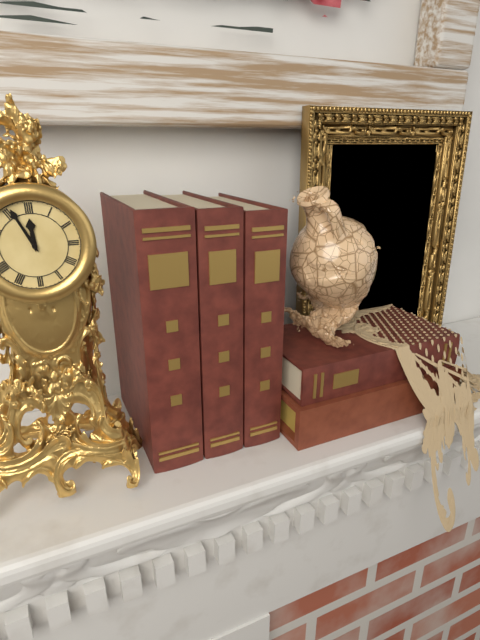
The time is {"hour": 11, "minute": 56}
